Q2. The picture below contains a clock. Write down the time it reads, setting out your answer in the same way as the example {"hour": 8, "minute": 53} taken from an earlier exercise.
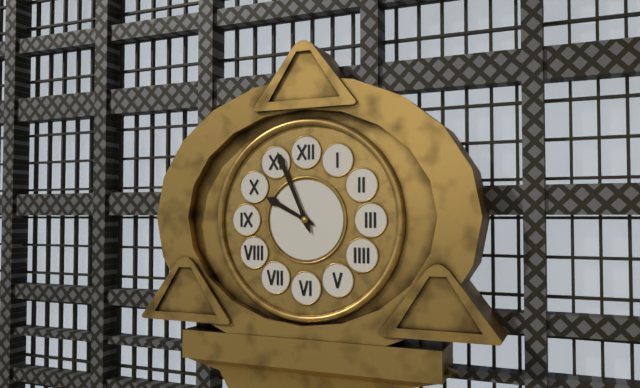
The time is {"hour": 9, "minute": 56}
